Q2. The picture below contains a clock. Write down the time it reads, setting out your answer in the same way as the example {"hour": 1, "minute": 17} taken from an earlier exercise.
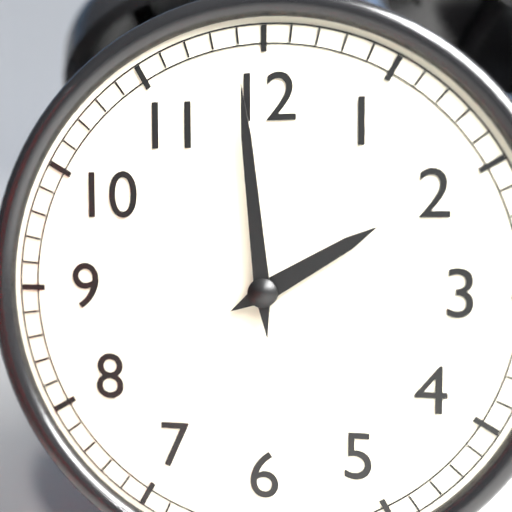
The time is {"hour": 1, "minute": 59}
